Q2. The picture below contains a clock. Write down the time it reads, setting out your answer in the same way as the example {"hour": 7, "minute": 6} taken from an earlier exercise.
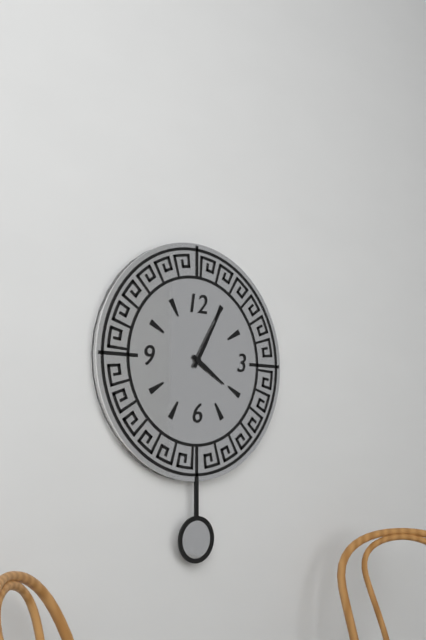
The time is {"hour": 4, "minute": 5}
